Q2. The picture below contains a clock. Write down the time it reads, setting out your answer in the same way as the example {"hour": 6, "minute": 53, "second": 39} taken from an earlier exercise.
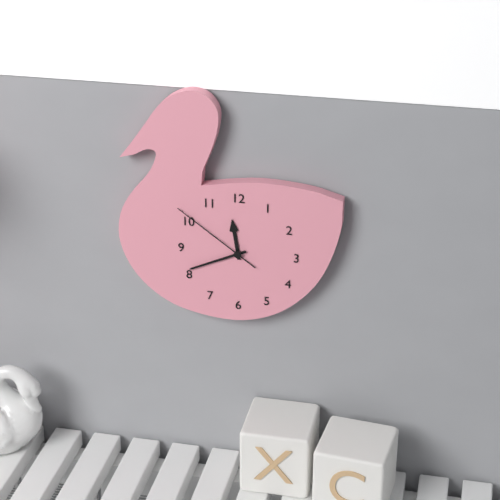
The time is {"hour": 11, "minute": 41, "second": 51}
